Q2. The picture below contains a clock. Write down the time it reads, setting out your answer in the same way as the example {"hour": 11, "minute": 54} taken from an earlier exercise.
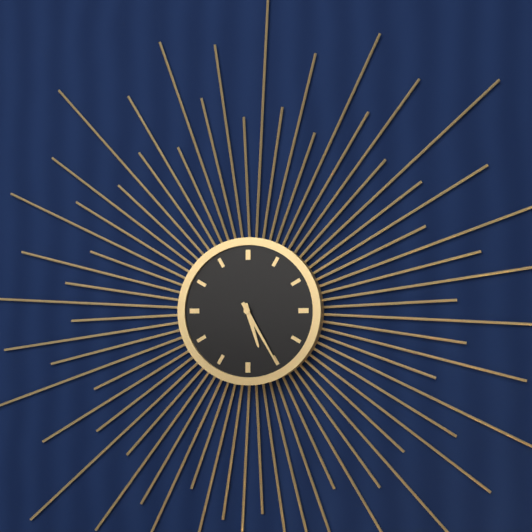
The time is {"hour": 5, "minute": 25}
